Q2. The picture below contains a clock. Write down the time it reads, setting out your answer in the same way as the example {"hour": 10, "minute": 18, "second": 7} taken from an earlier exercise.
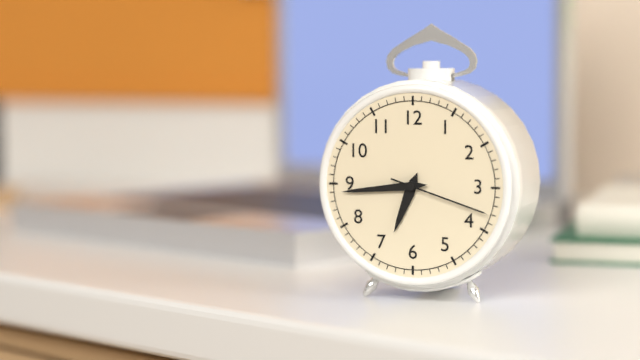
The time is {"hour": 6, "minute": 44, "second": 18}
